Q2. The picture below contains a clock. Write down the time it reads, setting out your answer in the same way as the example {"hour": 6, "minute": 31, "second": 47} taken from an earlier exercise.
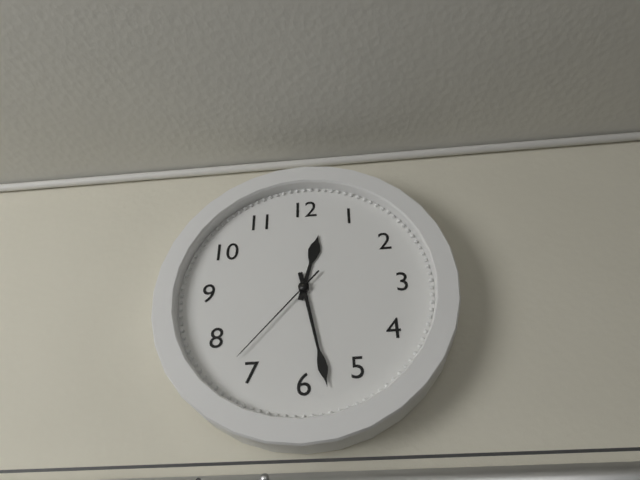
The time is {"hour": 12, "minute": 28, "second": 37}
